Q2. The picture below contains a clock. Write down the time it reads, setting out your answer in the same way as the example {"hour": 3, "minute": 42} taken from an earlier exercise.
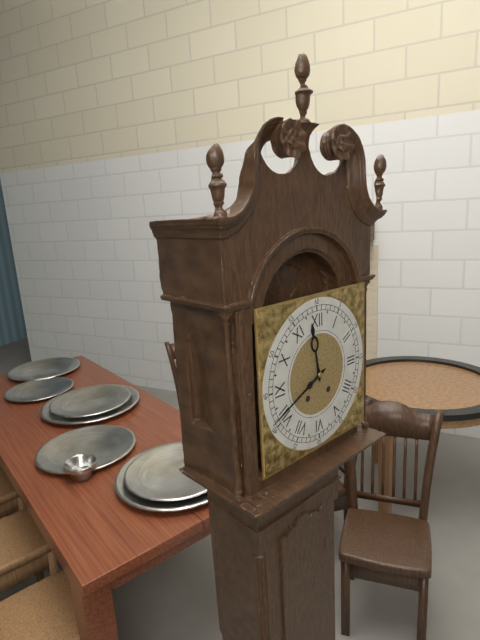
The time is {"hour": 11, "minute": 41}
